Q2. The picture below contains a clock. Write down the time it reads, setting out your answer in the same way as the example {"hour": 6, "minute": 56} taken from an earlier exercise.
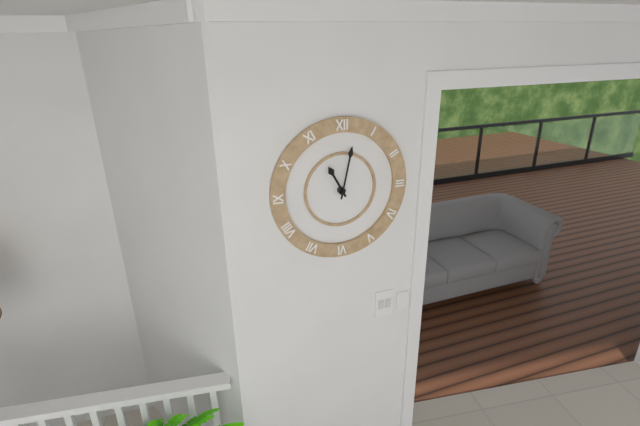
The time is {"hour": 11, "minute": 2}
